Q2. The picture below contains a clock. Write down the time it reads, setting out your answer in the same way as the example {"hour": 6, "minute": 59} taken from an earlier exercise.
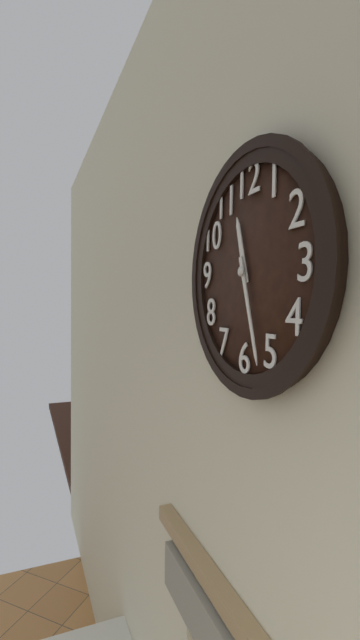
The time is {"hour": 11, "minute": 27}
